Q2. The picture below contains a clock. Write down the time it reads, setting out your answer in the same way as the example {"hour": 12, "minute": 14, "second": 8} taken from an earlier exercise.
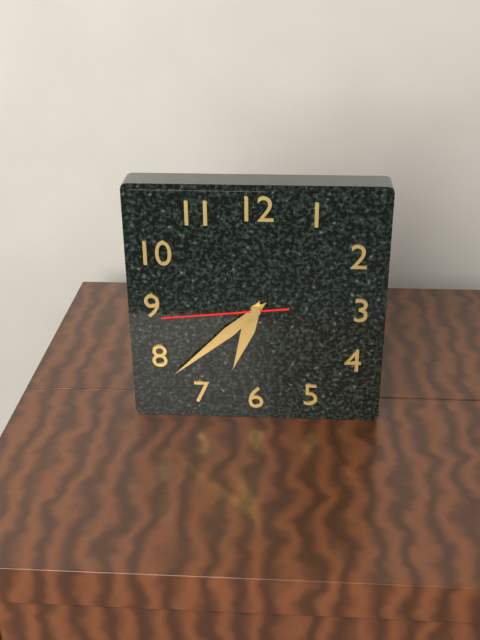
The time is {"hour": 6, "minute": 38, "second": 44}
